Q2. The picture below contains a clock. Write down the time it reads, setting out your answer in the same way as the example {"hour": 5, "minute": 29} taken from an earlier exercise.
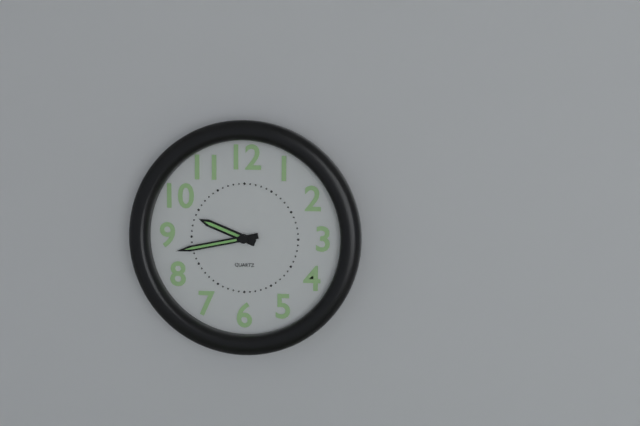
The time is {"hour": 9, "minute": 43}
